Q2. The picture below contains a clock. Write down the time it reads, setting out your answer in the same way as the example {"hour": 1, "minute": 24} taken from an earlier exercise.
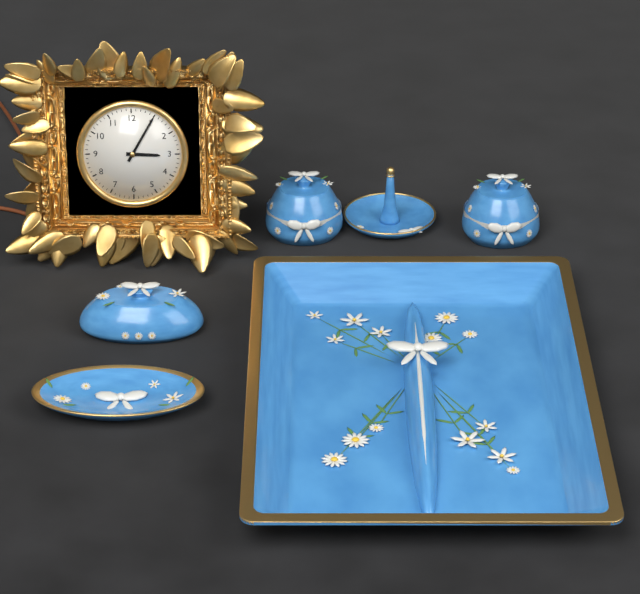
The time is {"hour": 3, "minute": 5}
